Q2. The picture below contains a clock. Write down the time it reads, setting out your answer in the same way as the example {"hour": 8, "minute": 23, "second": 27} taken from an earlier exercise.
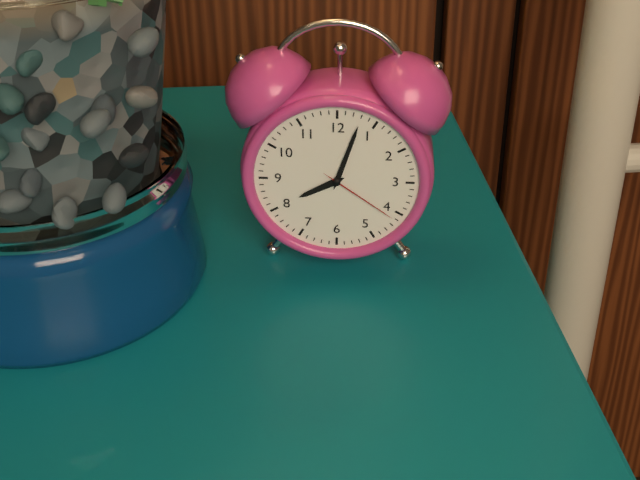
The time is {"hour": 8, "minute": 3, "second": 21}
